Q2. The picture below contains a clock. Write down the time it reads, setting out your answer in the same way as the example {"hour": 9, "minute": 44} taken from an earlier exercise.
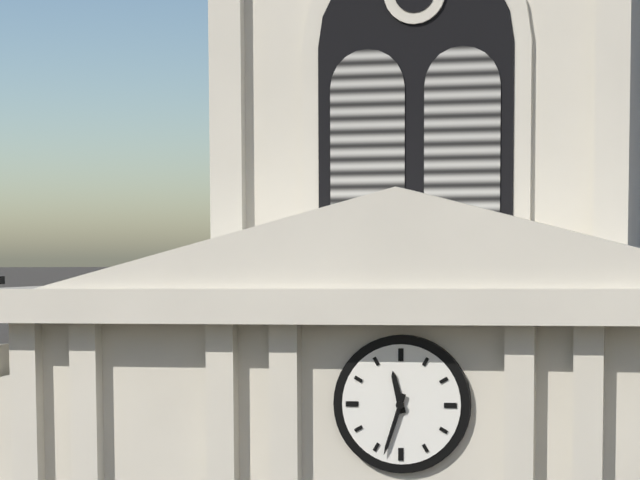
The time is {"hour": 11, "minute": 33}
